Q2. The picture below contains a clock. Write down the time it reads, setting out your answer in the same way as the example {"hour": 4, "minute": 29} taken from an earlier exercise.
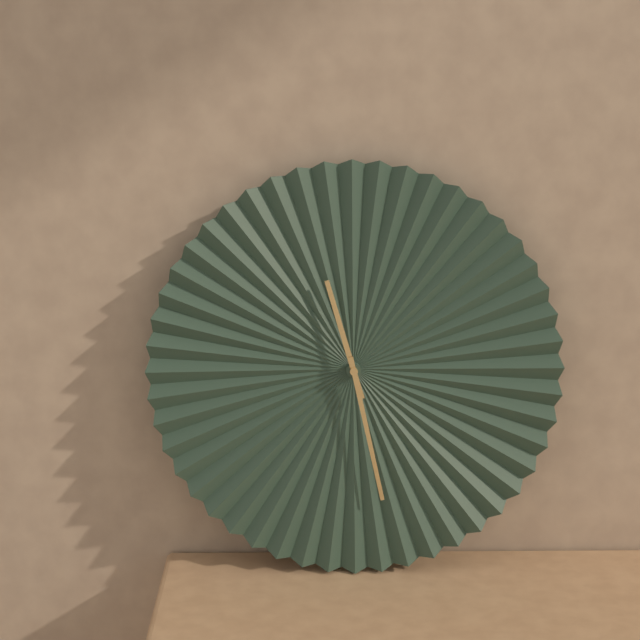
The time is {"hour": 11, "minute": 28}
